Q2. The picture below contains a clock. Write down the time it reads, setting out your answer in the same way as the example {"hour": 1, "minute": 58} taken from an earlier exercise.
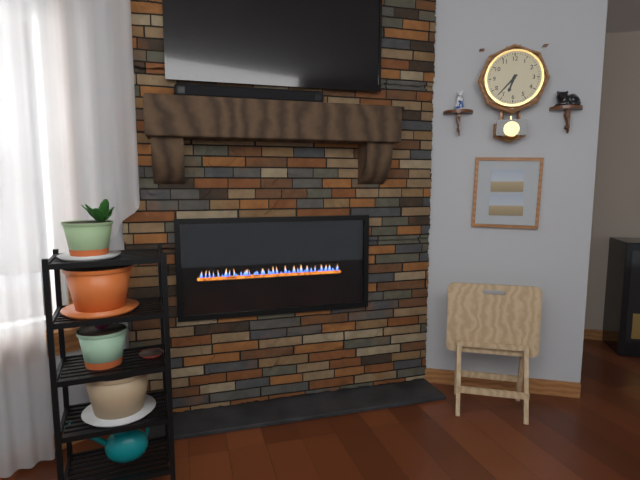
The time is {"hour": 6, "minute": 37}
